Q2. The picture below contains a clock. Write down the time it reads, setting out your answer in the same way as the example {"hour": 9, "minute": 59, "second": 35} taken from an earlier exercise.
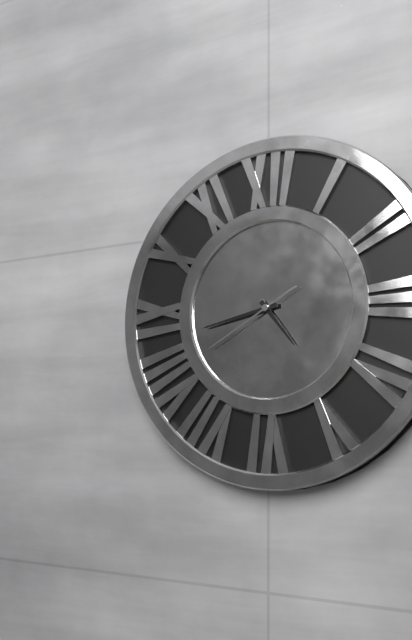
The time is {"hour": 4, "minute": 43, "second": 40}
